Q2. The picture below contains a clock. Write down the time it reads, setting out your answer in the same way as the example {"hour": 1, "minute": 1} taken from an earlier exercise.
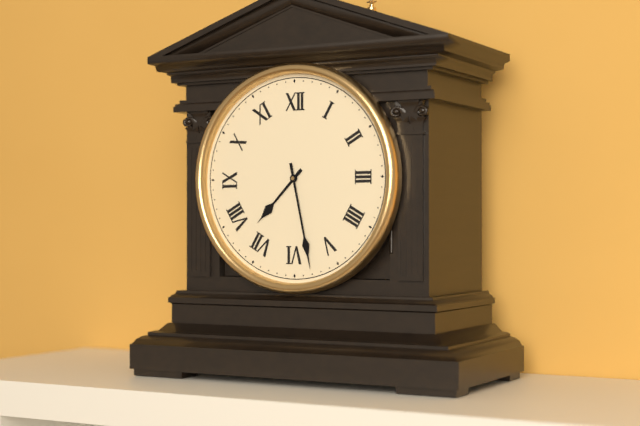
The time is {"hour": 7, "minute": 28}
